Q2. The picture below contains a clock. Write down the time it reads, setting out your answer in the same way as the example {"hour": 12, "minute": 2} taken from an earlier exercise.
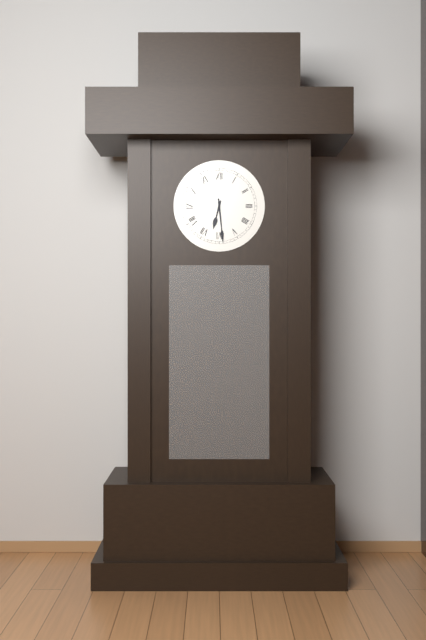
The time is {"hour": 6, "minute": 29}
